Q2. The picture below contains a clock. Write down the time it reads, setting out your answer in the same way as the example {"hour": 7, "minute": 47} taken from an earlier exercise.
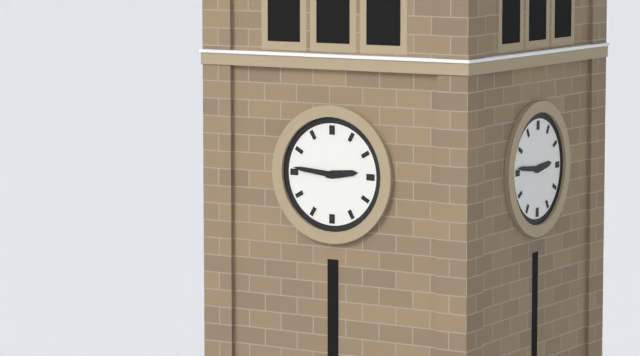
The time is {"hour": 2, "minute": 46}
